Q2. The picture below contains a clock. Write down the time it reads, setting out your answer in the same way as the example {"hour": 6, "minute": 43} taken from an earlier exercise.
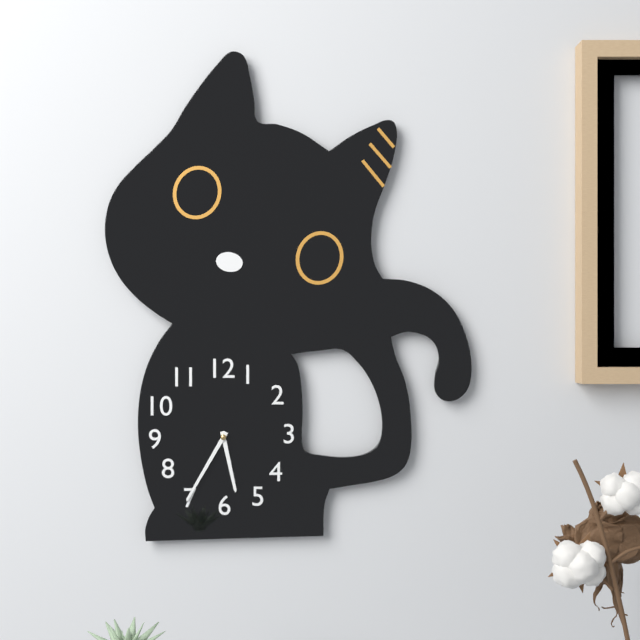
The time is {"hour": 5, "minute": 35}
